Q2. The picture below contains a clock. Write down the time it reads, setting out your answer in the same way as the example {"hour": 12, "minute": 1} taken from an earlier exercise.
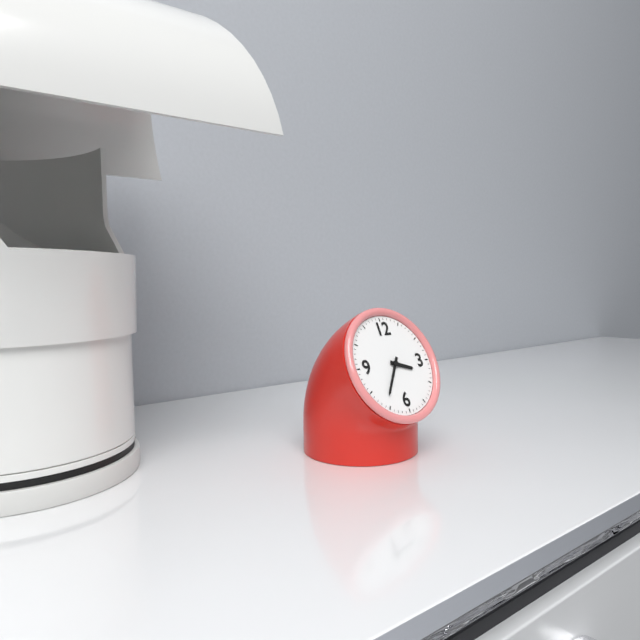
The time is {"hour": 3, "minute": 36}
